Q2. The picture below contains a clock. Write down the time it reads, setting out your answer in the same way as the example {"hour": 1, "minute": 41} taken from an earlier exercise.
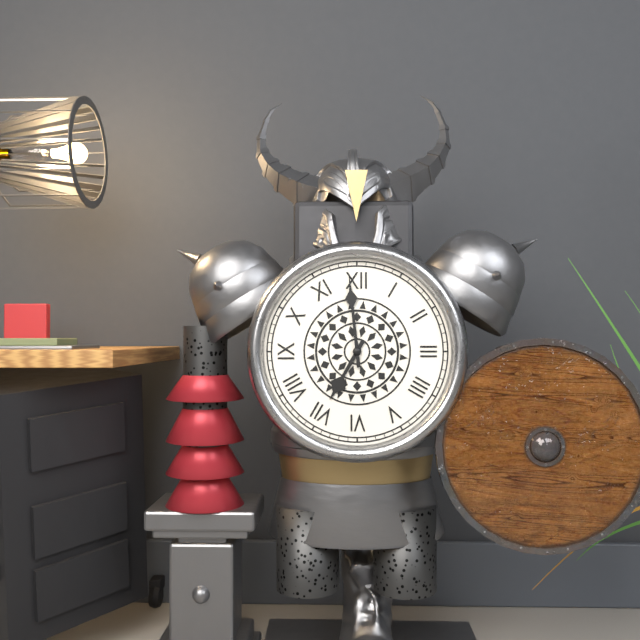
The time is {"hour": 6, "minute": 59}
